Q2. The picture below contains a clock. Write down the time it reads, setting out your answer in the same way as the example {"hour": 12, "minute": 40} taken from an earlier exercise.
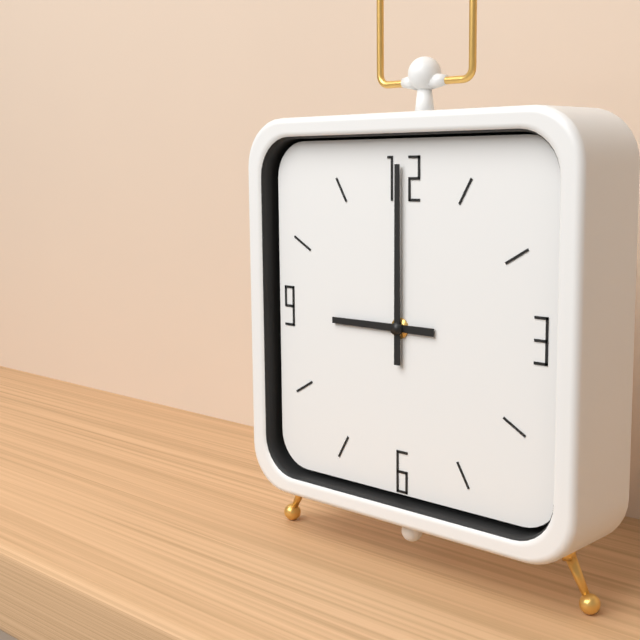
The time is {"hour": 9, "minute": 0}
